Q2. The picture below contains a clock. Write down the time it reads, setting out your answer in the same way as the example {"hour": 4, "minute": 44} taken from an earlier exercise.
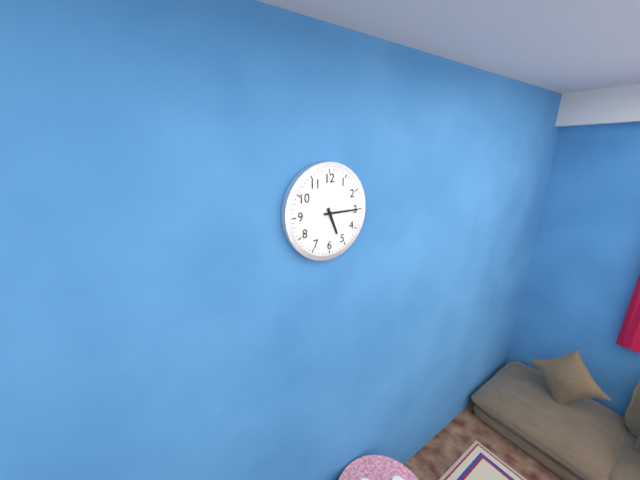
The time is {"hour": 5, "minute": 15}
